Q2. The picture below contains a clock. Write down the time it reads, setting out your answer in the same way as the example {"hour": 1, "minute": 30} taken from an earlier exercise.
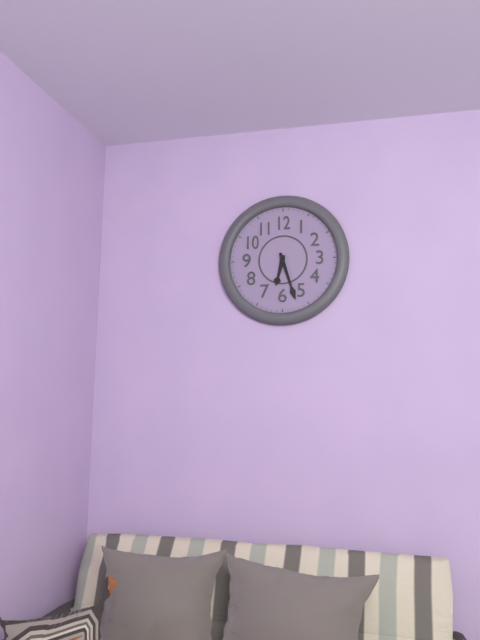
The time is {"hour": 6, "minute": 27}
